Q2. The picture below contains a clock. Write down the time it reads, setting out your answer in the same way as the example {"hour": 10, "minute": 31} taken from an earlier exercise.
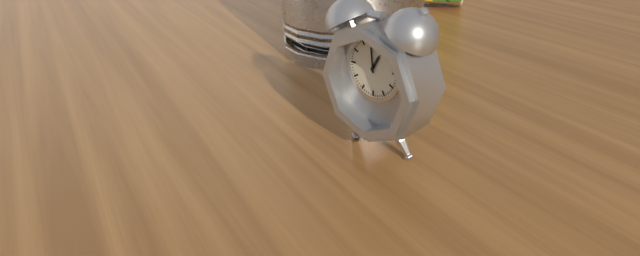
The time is {"hour": 12, "minute": 59}
